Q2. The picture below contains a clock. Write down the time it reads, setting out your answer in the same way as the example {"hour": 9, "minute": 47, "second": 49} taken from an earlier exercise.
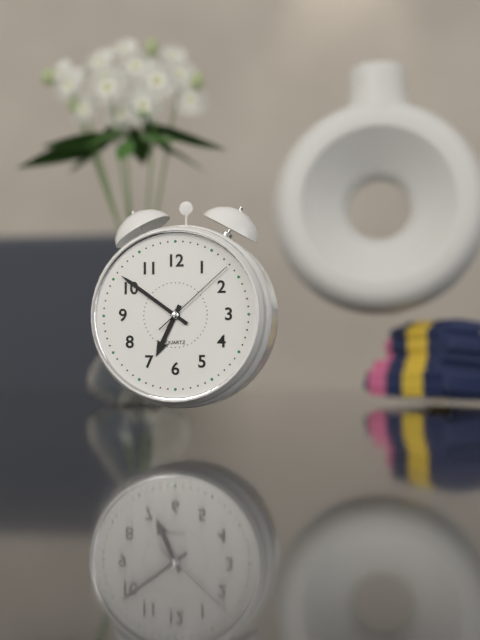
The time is {"hour": 6, "minute": 51, "second": 8}
